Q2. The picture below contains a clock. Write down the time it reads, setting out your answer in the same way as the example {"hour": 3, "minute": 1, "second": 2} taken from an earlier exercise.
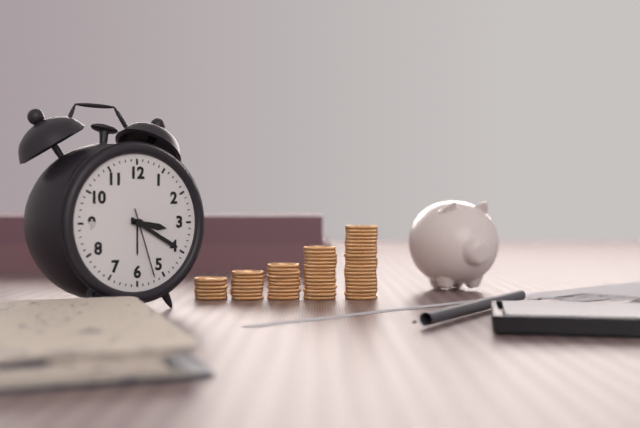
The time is {"hour": 3, "minute": 20, "second": 27}
